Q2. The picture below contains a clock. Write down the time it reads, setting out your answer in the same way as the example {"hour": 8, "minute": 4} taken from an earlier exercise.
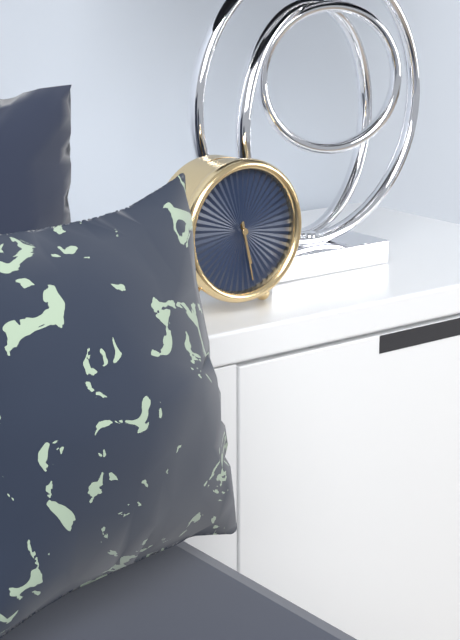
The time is {"hour": 5, "minute": 28}
